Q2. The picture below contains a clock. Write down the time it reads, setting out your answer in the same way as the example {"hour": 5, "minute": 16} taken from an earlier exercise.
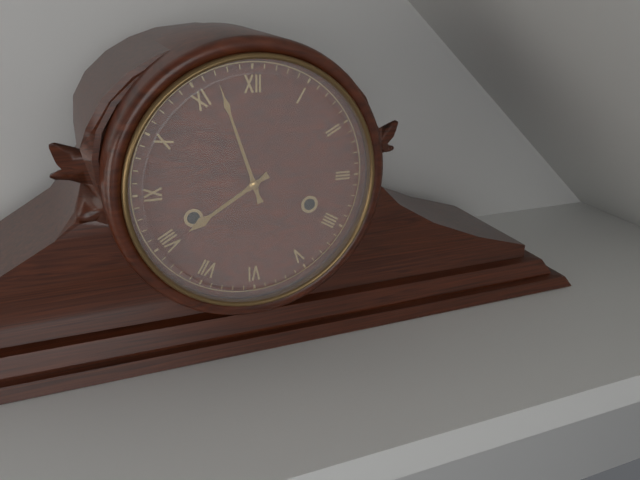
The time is {"hour": 7, "minute": 57}
